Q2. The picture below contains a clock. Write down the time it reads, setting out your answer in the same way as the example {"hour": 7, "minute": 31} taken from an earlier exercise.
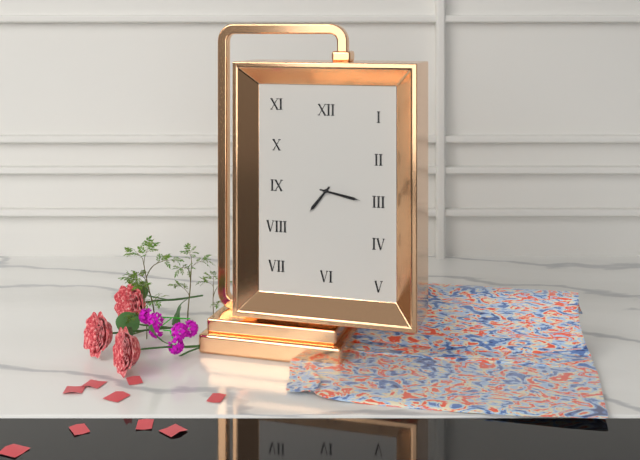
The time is {"hour": 7, "minute": 17}
